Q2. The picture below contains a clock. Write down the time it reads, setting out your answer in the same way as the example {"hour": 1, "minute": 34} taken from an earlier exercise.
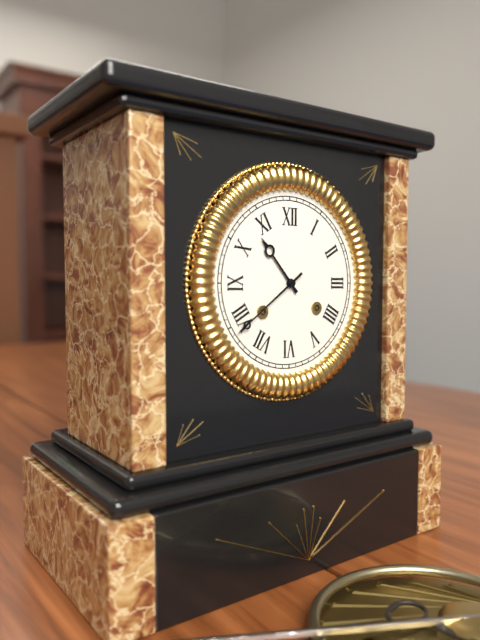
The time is {"hour": 10, "minute": 39}
